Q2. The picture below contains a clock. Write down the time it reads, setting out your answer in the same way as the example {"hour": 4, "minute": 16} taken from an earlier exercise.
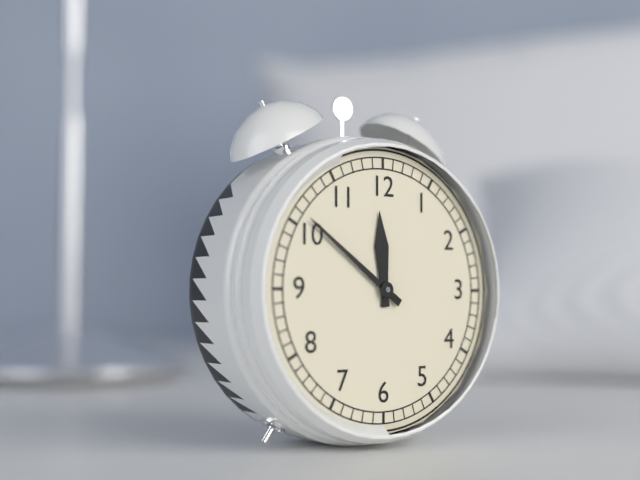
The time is {"hour": 11, "minute": 51}
